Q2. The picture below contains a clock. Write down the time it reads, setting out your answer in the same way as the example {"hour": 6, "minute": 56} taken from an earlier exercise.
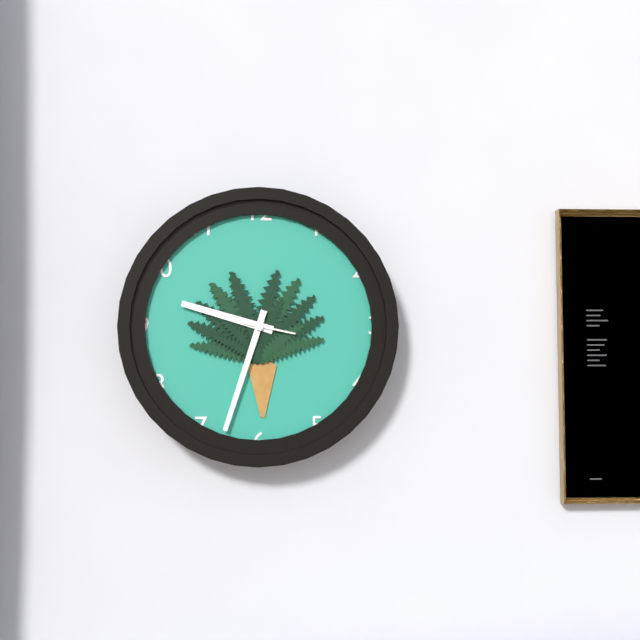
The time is {"hour": 9, "minute": 33}
